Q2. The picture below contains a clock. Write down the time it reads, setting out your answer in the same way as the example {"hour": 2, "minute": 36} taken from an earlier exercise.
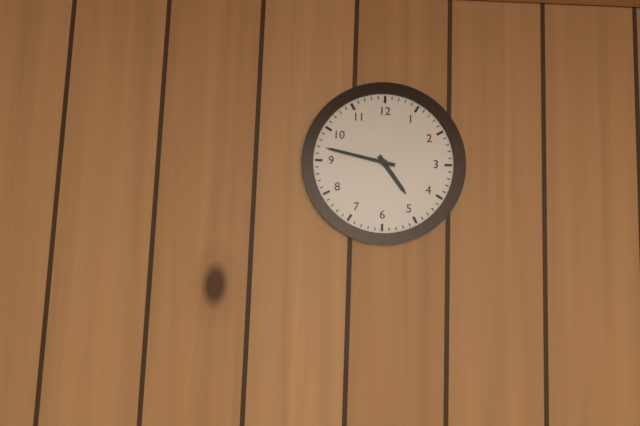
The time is {"hour": 4, "minute": 47}
